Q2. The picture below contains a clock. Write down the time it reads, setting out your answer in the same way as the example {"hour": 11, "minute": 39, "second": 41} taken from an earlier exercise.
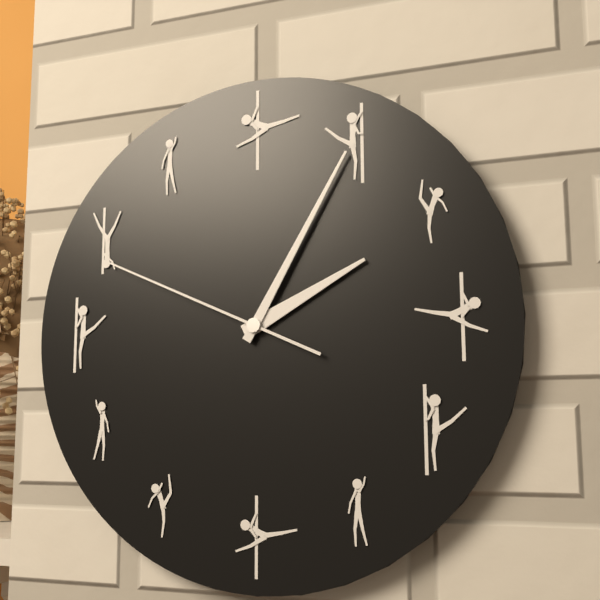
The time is {"hour": 2, "minute": 5, "second": 49}
